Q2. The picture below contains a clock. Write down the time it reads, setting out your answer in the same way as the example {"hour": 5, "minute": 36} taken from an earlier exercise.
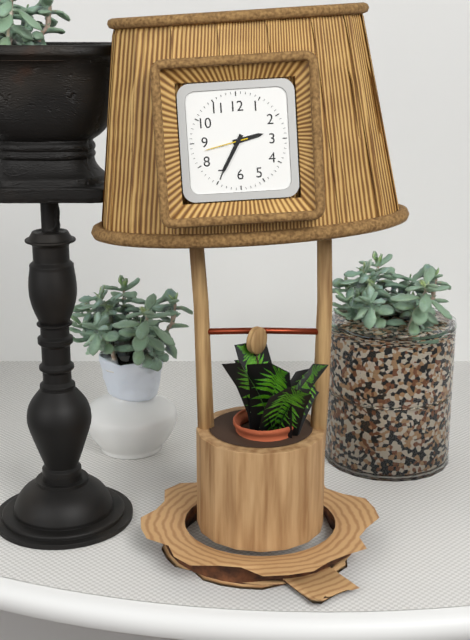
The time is {"hour": 2, "minute": 35}
